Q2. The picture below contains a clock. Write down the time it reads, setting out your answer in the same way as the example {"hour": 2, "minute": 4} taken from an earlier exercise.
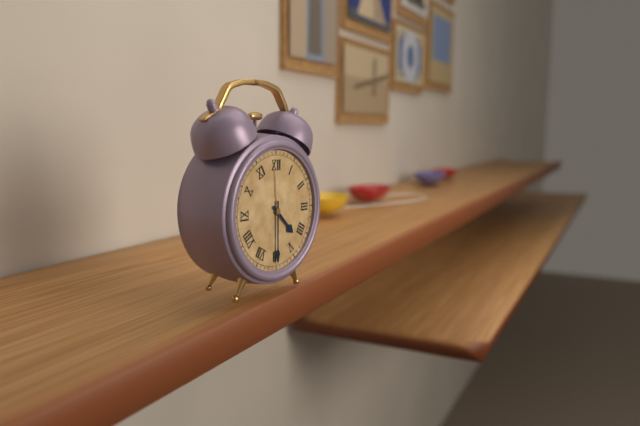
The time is {"hour": 4, "minute": 30}
